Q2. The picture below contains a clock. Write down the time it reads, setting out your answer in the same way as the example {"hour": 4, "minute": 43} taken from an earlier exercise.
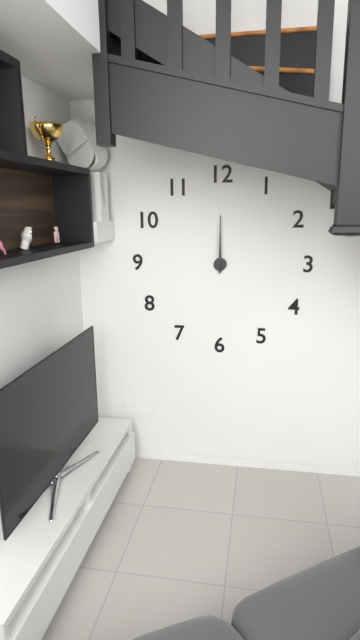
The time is {"hour": 12, "minute": 0}
